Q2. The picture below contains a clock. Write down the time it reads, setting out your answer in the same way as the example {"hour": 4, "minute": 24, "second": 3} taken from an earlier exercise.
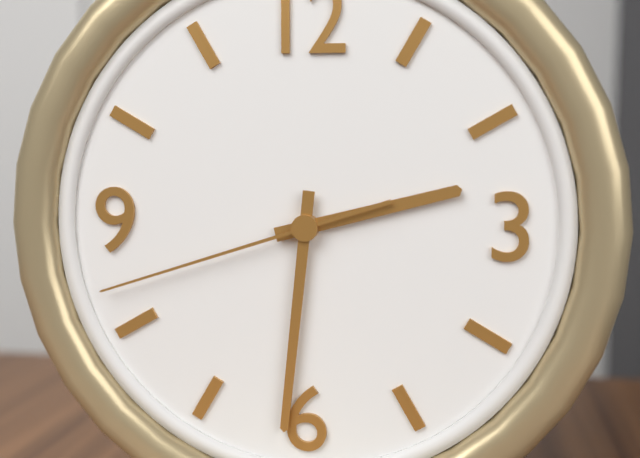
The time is {"hour": 2, "minute": 31, "second": 42}
